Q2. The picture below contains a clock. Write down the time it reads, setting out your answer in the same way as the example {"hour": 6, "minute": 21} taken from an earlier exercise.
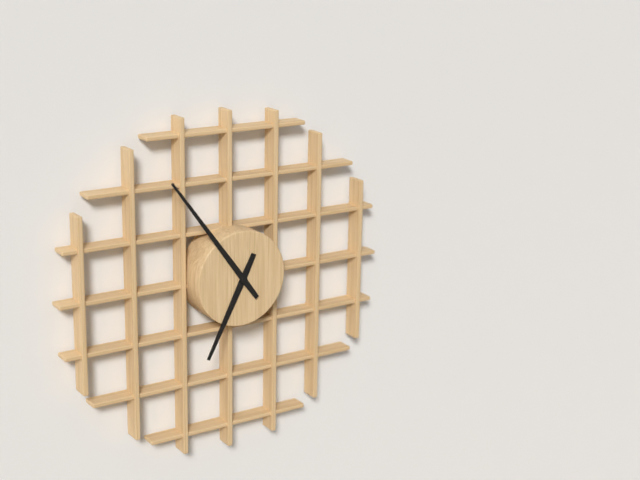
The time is {"hour": 6, "minute": 54}
